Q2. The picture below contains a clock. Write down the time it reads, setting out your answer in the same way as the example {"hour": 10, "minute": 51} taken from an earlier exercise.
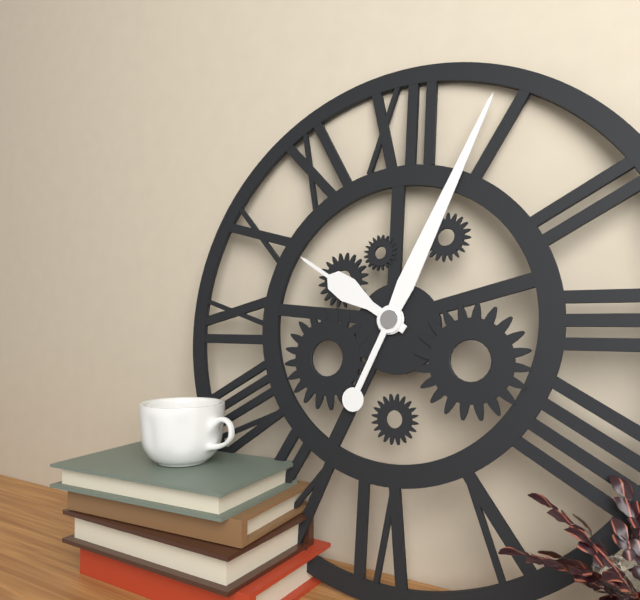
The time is {"hour": 10, "minute": 4}
